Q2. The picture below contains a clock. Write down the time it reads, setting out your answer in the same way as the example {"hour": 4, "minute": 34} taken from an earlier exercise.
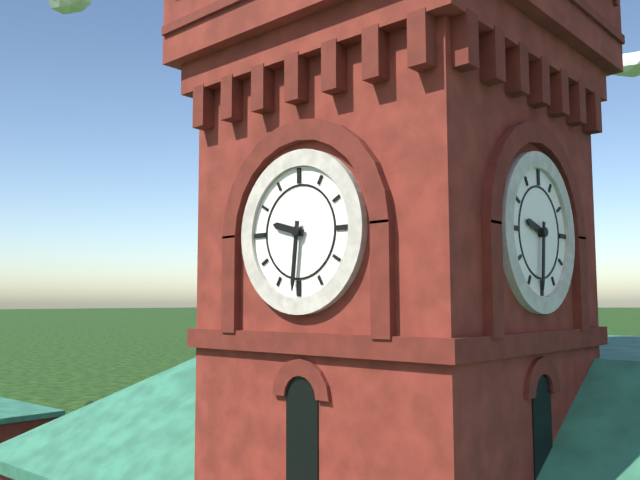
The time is {"hour": 9, "minute": 31}
